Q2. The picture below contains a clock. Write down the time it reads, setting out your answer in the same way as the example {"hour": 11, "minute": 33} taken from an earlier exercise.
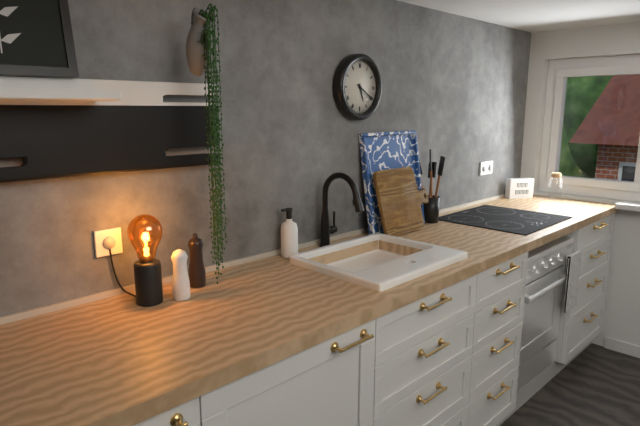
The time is {"hour": 5, "minute": 20}
